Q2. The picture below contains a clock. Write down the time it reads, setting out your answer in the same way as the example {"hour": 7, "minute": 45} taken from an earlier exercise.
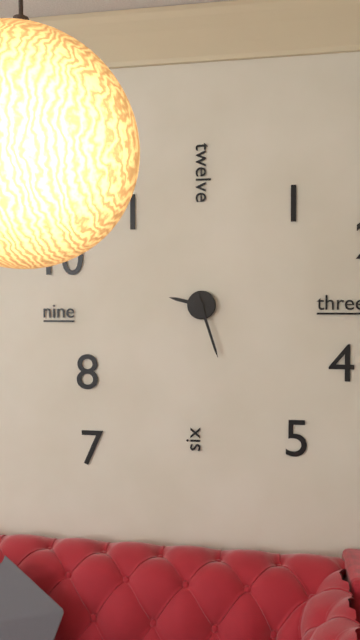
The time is {"hour": 9, "minute": 27}
